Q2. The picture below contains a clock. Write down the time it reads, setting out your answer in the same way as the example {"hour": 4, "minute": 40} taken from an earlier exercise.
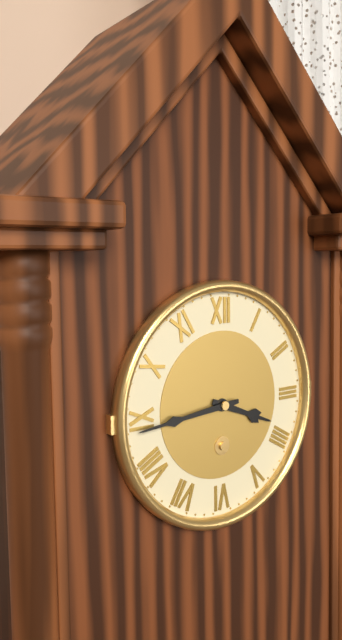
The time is {"hour": 3, "minute": 44}
